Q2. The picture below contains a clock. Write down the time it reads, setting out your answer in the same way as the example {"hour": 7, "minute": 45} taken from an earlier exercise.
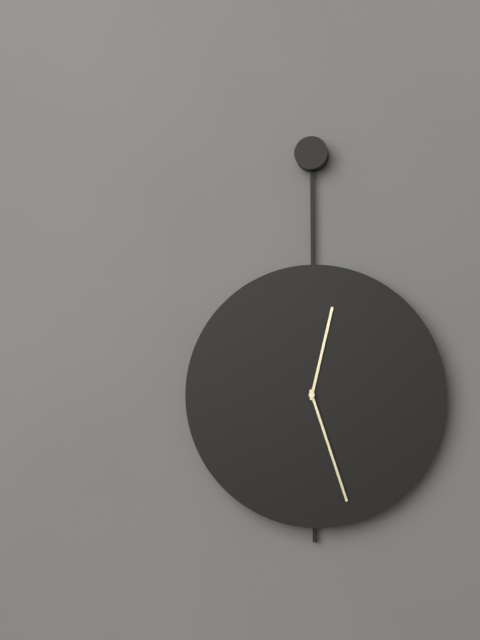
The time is {"hour": 12, "minute": 27}
